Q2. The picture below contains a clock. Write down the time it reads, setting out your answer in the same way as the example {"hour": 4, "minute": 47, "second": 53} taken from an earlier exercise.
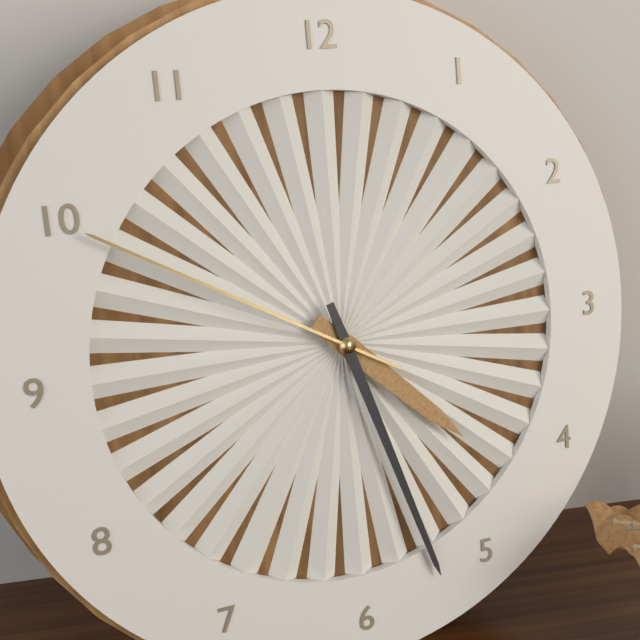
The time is {"hour": 4, "minute": 27, "second": 50}
